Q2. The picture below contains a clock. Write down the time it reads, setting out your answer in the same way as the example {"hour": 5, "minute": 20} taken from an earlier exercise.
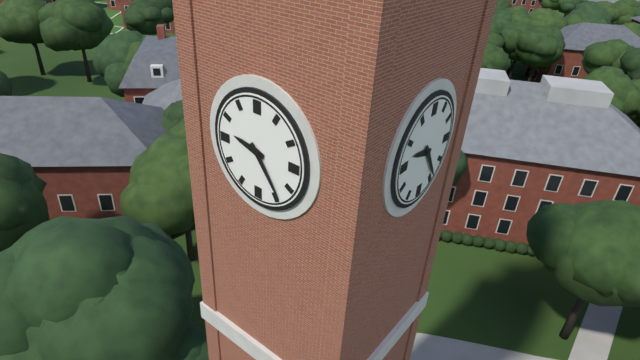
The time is {"hour": 9, "minute": 24}
